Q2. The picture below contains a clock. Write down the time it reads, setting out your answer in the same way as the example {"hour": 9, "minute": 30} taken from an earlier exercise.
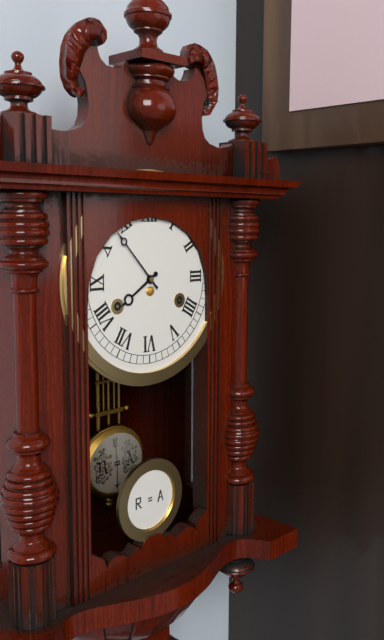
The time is {"hour": 7, "minute": 53}
